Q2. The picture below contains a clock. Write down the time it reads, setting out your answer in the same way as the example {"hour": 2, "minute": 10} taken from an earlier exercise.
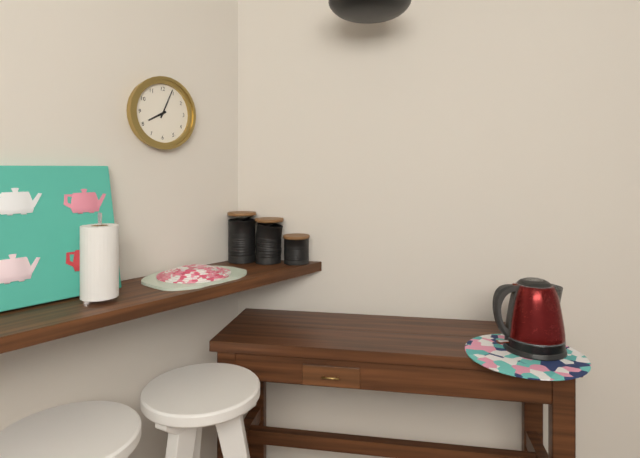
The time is {"hour": 8, "minute": 4}
